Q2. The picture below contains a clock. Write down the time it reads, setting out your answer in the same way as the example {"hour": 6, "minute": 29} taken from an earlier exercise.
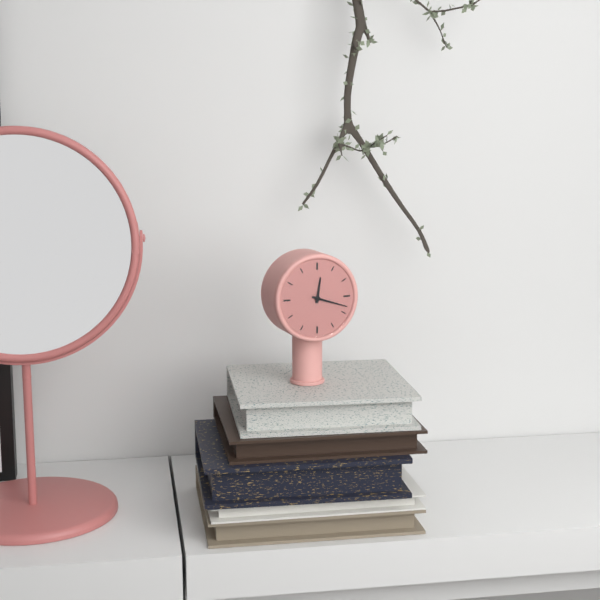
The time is {"hour": 12, "minute": 18}
